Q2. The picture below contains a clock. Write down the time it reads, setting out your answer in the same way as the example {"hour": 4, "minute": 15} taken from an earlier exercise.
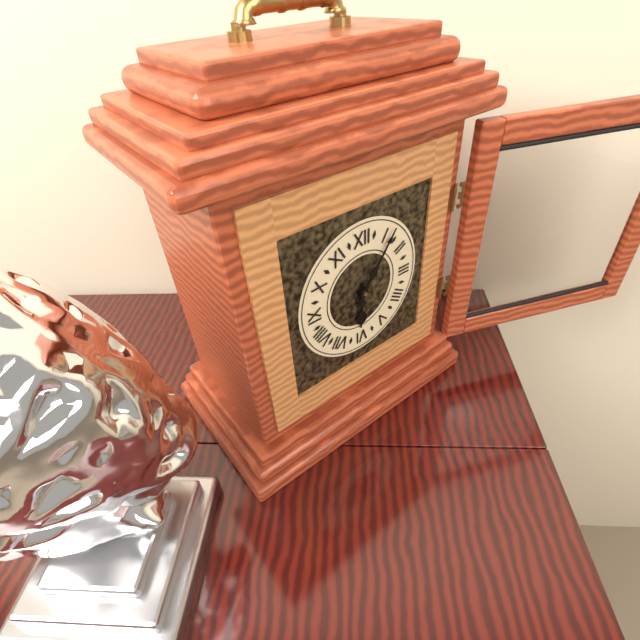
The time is {"hour": 6, "minute": 6}
